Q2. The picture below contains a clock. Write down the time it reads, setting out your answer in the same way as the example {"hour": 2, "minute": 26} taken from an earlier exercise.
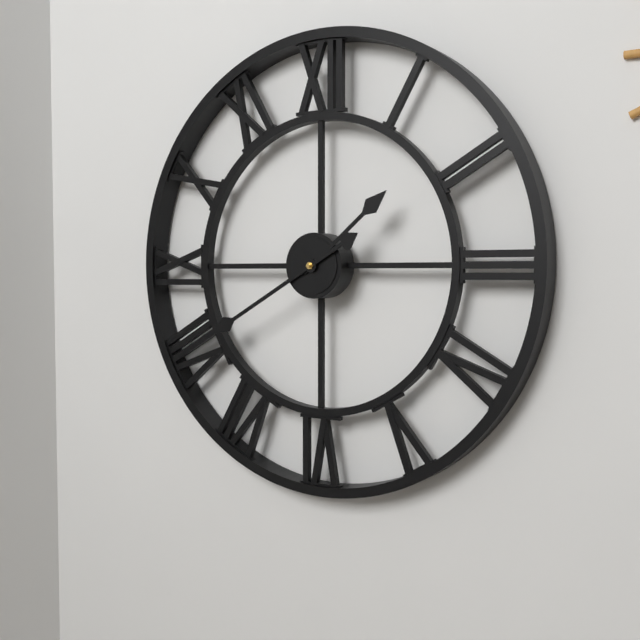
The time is {"hour": 1, "minute": 40}
